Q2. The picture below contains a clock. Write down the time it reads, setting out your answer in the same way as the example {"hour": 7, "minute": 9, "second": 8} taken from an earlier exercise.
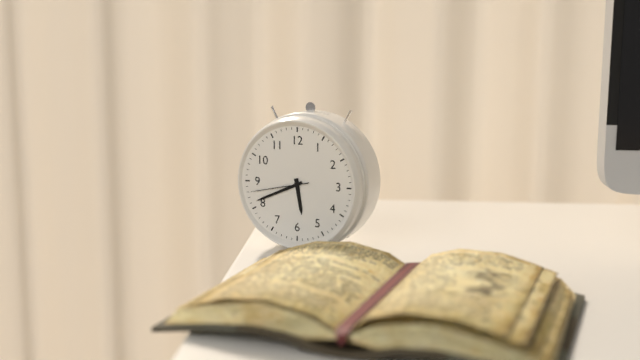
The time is {"hour": 5, "minute": 41, "second": 43}
